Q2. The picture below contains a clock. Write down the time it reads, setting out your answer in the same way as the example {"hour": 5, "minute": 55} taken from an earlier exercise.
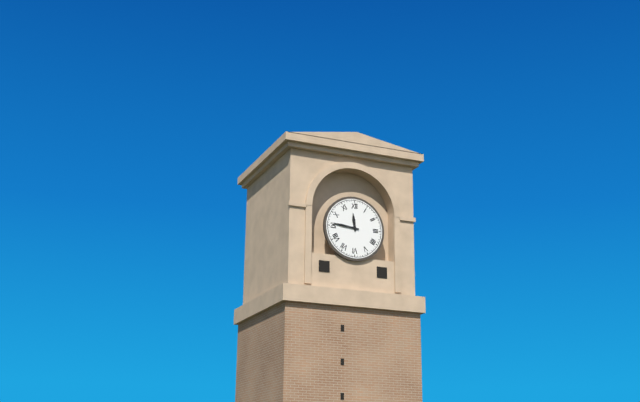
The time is {"hour": 11, "minute": 46}
